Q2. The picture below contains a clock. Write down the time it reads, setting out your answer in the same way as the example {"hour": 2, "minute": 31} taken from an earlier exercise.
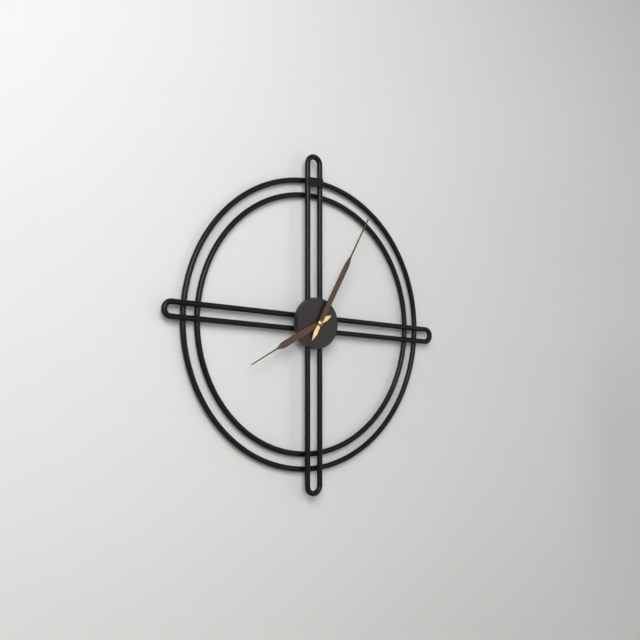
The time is {"hour": 8, "minute": 5}
